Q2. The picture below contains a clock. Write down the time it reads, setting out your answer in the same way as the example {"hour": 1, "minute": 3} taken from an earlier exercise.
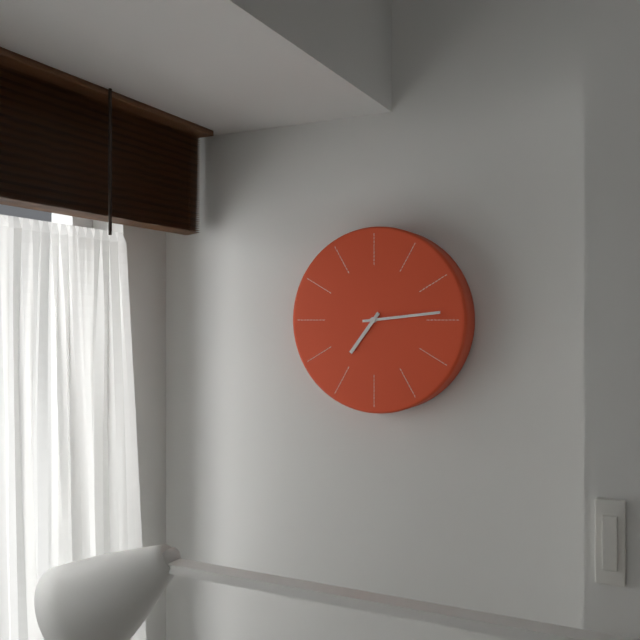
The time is {"hour": 7, "minute": 14}
